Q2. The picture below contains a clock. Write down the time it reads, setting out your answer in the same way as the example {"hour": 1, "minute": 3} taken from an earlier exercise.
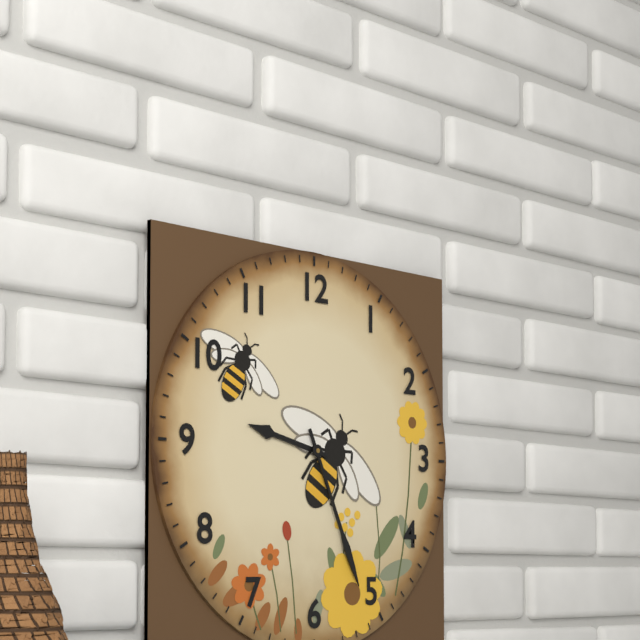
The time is {"hour": 9, "minute": 26}
